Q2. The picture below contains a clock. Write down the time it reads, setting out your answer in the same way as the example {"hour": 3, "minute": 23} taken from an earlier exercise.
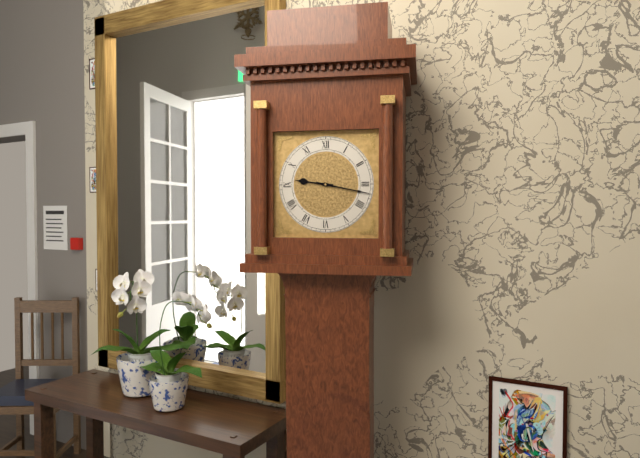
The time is {"hour": 9, "minute": 17}
